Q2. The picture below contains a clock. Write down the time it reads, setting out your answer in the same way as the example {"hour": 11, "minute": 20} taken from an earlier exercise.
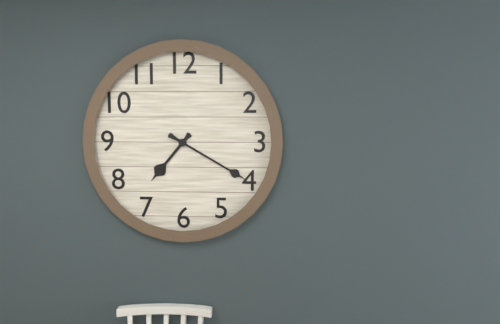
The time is {"hour": 7, "minute": 20}
